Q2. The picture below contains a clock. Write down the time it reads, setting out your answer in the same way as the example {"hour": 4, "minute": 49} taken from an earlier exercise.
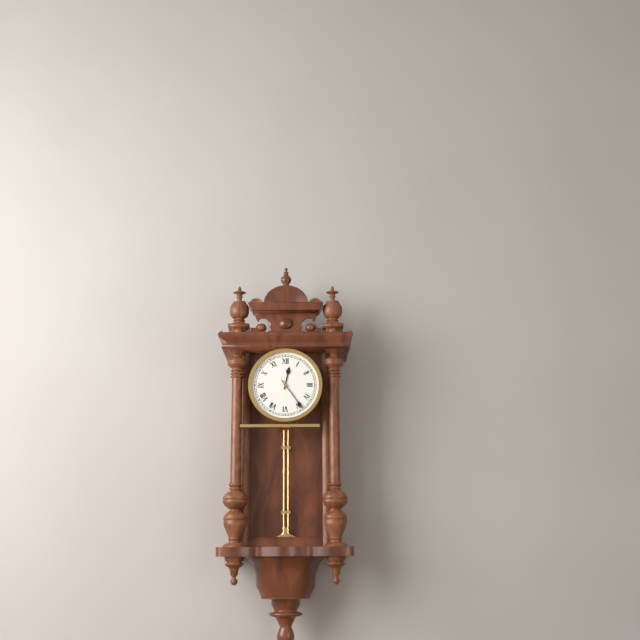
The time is {"hour": 12, "minute": 24}
